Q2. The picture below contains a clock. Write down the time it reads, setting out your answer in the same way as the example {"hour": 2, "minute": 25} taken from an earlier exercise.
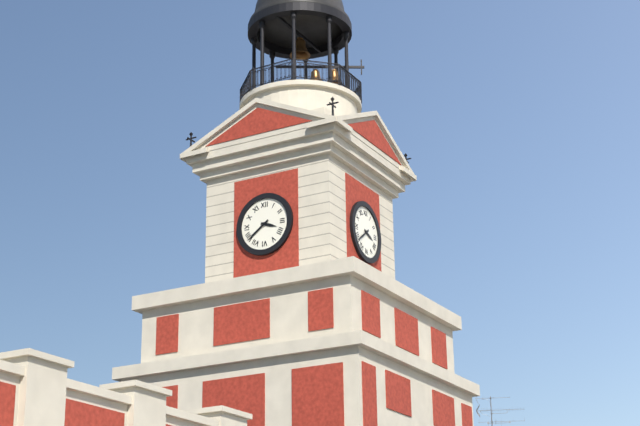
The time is {"hour": 3, "minute": 39}
